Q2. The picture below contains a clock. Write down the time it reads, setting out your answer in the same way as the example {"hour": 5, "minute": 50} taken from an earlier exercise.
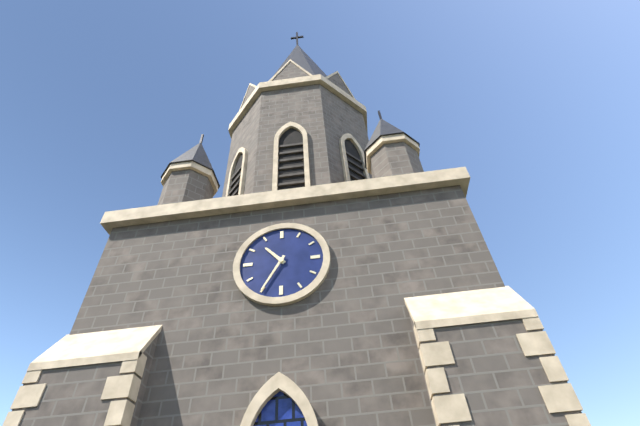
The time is {"hour": 10, "minute": 35}
